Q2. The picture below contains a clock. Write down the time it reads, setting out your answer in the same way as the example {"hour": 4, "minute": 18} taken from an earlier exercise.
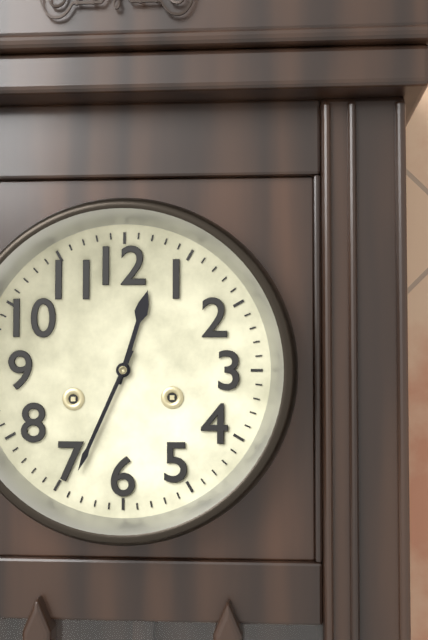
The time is {"hour": 12, "minute": 34}
